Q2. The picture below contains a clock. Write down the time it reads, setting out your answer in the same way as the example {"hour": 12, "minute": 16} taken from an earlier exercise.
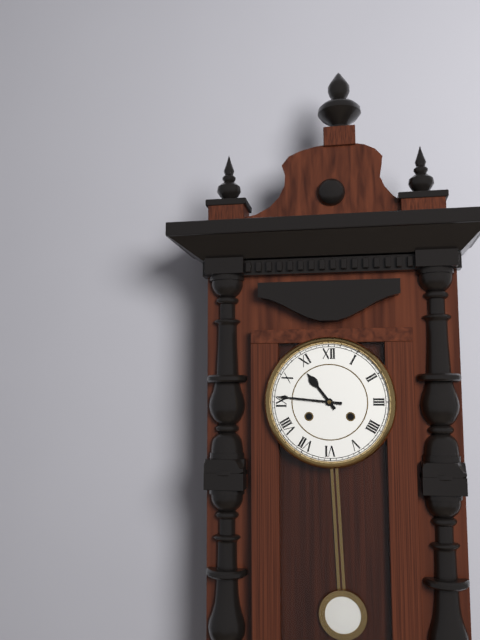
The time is {"hour": 10, "minute": 46}
